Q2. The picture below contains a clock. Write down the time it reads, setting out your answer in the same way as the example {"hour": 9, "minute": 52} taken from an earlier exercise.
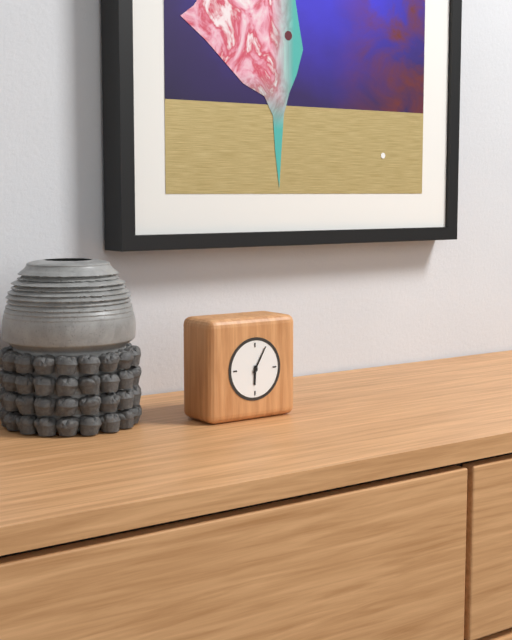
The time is {"hour": 6, "minute": 5}
